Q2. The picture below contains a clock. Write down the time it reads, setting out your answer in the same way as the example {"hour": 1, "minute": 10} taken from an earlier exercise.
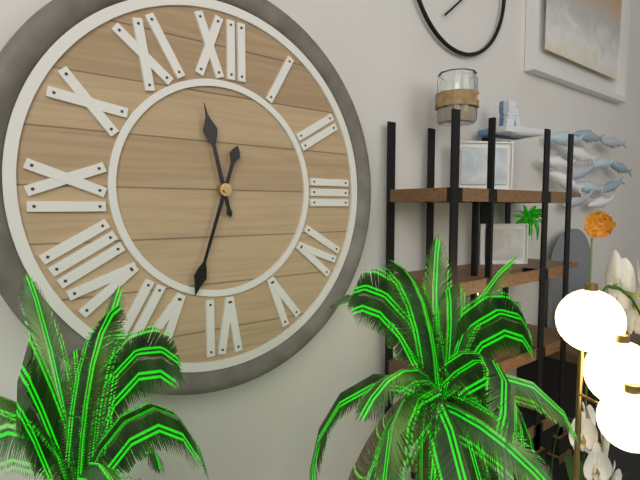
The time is {"hour": 11, "minute": 33}
